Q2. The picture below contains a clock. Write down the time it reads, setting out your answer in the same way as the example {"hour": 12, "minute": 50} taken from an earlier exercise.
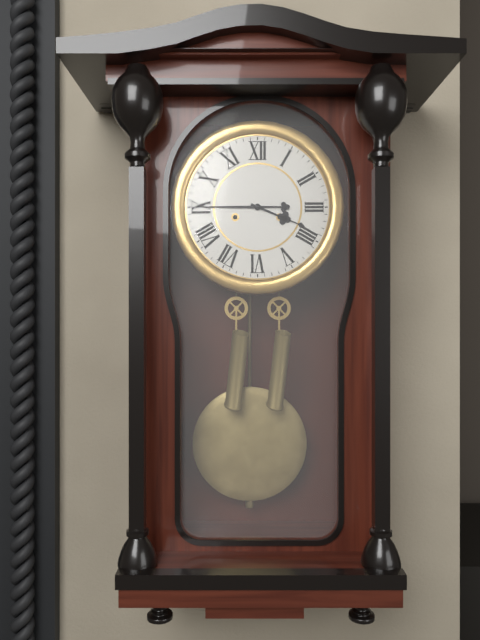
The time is {"hour": 3, "minute": 45}
